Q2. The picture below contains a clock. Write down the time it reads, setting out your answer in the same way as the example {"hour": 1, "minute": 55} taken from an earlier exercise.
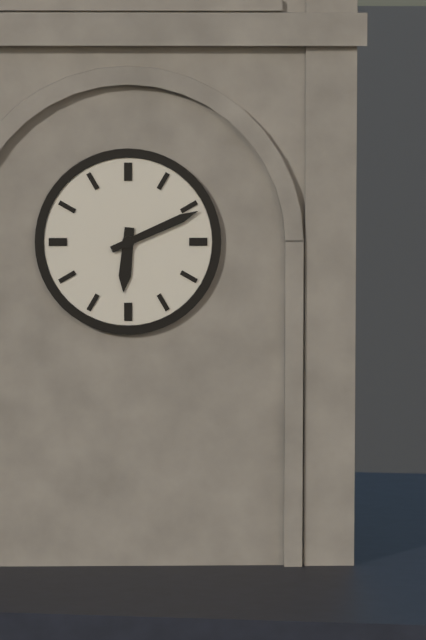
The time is {"hour": 6, "minute": 11}
